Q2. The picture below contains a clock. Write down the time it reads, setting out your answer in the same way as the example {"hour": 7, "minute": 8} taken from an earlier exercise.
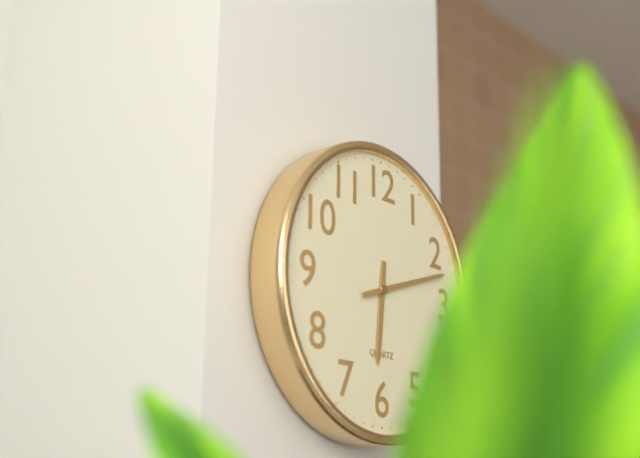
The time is {"hour": 6, "minute": 12}
